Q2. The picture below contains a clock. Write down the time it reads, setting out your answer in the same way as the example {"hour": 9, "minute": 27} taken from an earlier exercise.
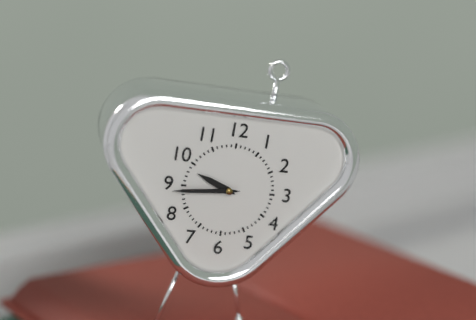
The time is {"hour": 9, "minute": 44}
